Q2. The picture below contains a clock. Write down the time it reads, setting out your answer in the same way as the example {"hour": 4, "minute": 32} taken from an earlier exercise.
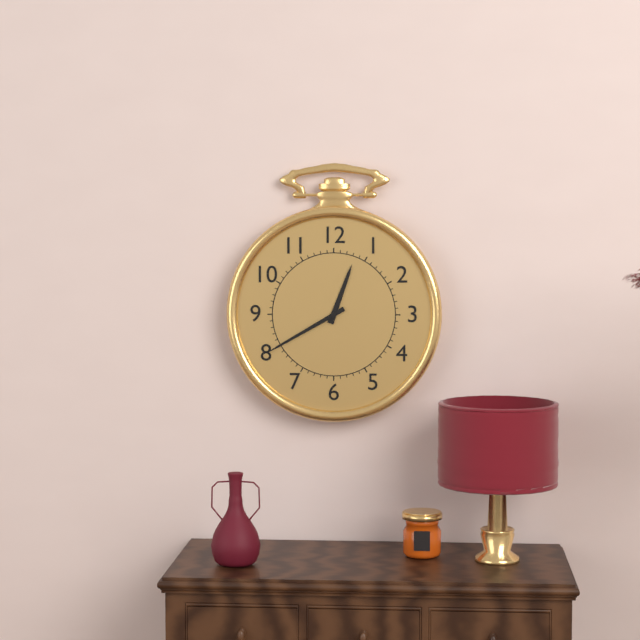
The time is {"hour": 12, "minute": 40}
